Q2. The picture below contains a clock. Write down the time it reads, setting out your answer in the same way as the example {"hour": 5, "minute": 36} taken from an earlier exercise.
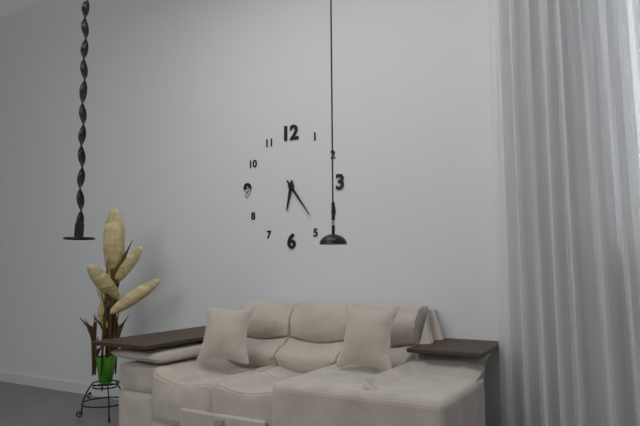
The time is {"hour": 6, "minute": 24}
